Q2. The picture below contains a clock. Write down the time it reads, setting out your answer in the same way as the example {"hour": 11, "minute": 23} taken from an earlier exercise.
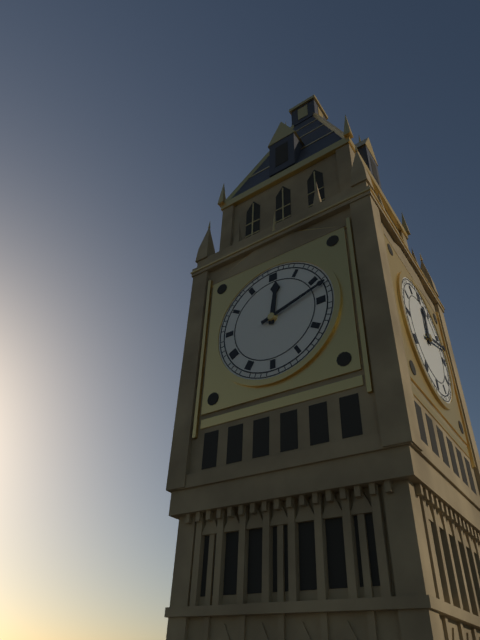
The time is {"hour": 12, "minute": 12}
